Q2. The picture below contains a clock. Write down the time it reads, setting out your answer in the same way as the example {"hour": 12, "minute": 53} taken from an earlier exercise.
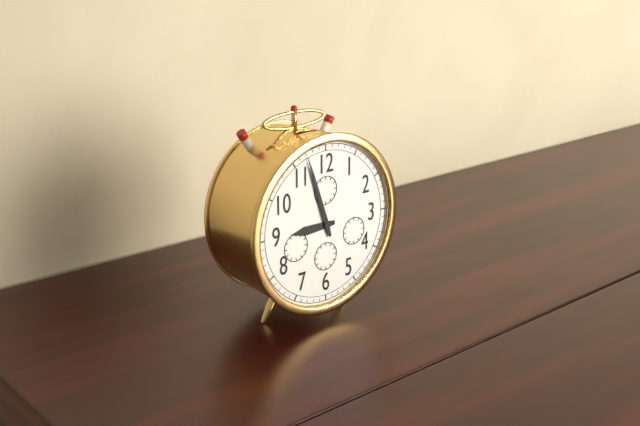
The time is {"hour": 8, "minute": 57}
